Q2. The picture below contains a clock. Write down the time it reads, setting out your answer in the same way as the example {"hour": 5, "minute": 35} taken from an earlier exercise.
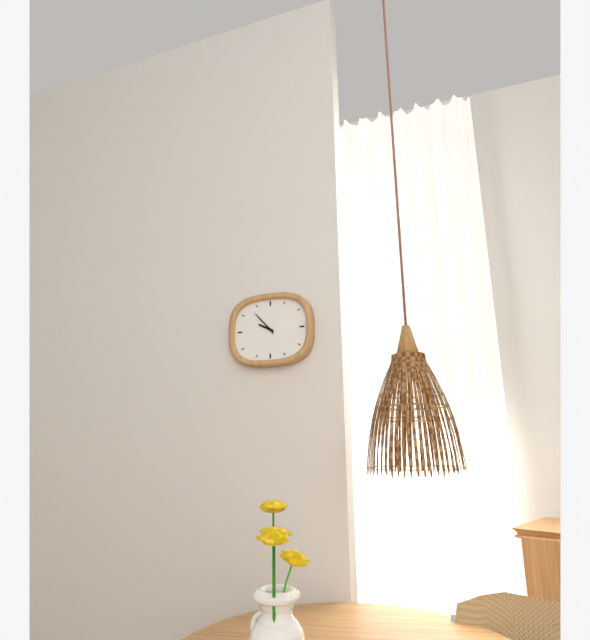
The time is {"hour": 9, "minute": 53}
